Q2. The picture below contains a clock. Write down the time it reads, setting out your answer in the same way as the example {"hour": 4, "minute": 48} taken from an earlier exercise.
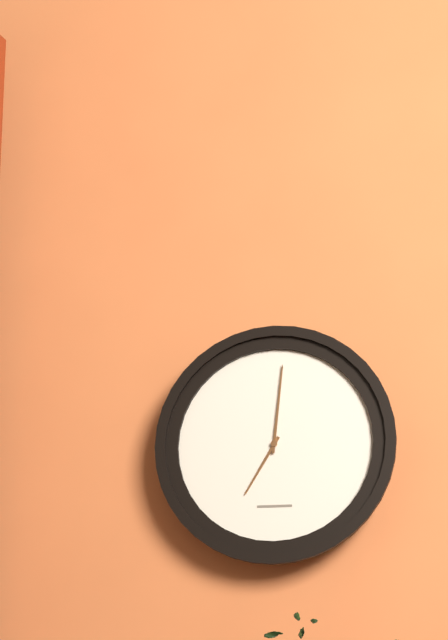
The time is {"hour": 7, "minute": 1}
